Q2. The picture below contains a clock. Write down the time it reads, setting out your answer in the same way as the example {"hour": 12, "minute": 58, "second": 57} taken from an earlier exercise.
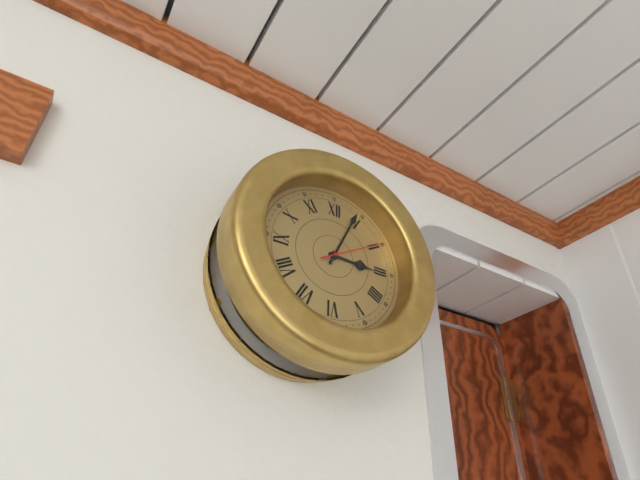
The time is {"hour": 3, "minute": 4, "second": 10}
